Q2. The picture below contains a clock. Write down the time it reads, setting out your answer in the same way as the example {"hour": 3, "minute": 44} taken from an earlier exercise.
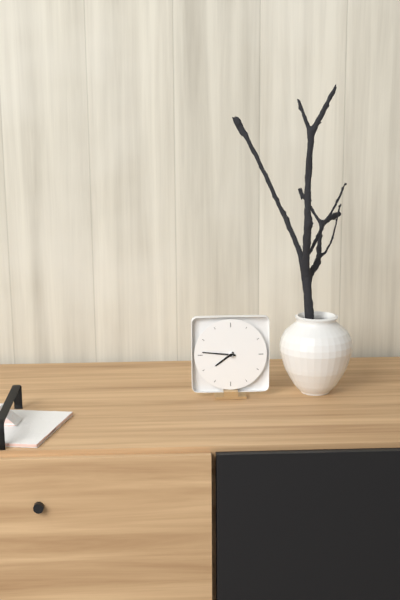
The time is {"hour": 7, "minute": 46}
